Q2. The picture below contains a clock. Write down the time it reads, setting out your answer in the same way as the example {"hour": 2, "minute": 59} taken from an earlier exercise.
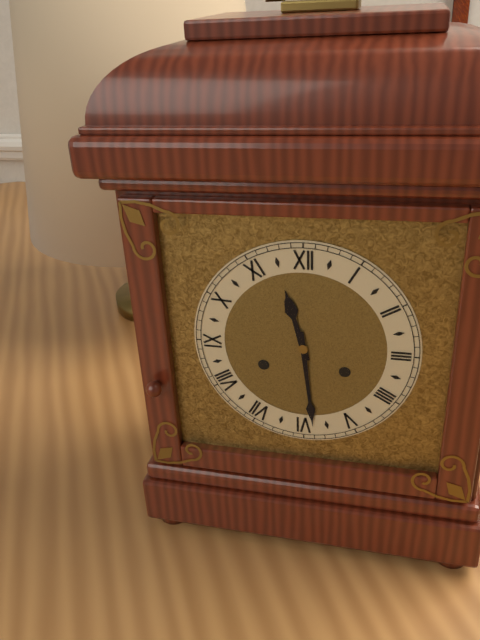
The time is {"hour": 11, "minute": 29}
